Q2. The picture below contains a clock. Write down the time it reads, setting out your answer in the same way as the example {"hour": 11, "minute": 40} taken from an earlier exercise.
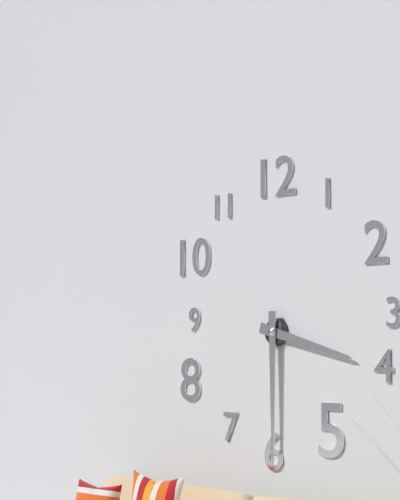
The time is {"hour": 3, "minute": 30}
